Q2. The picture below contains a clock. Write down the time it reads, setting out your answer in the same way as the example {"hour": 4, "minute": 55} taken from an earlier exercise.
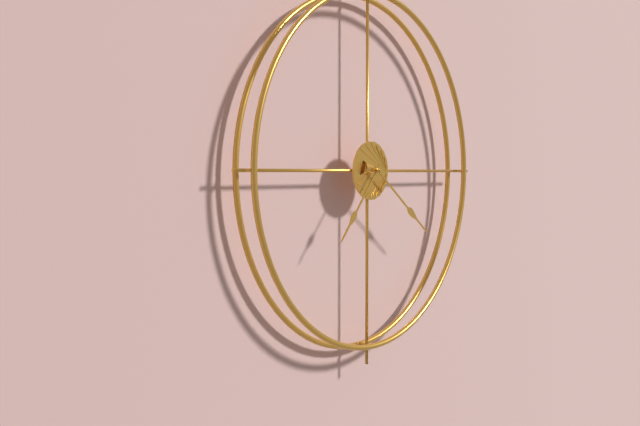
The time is {"hour": 7, "minute": 21}
